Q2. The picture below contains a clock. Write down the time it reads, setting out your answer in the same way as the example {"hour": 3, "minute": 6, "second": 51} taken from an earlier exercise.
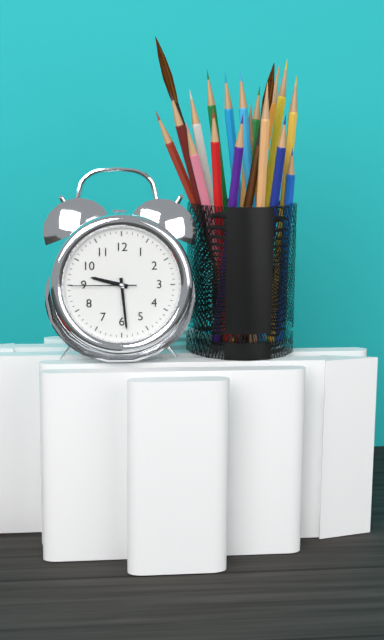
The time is {"hour": 9, "minute": 29, "second": 45}
